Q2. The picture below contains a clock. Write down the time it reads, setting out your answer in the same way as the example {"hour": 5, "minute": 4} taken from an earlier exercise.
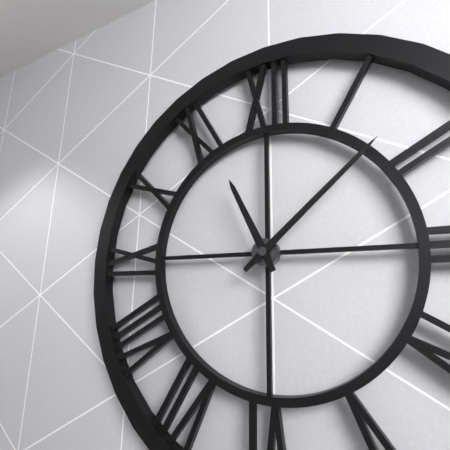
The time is {"hour": 11, "minute": 8}
